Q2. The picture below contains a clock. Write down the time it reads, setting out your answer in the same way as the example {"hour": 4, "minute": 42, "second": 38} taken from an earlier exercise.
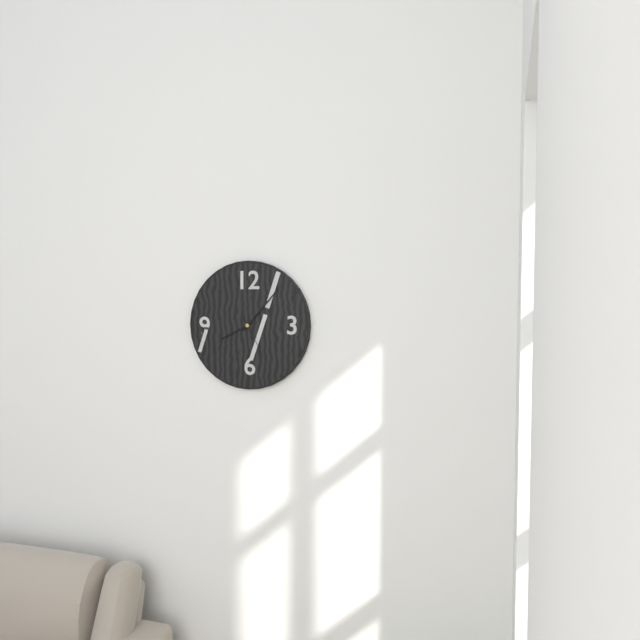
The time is {"hour": 8, "minute": 7, "second": 25}
